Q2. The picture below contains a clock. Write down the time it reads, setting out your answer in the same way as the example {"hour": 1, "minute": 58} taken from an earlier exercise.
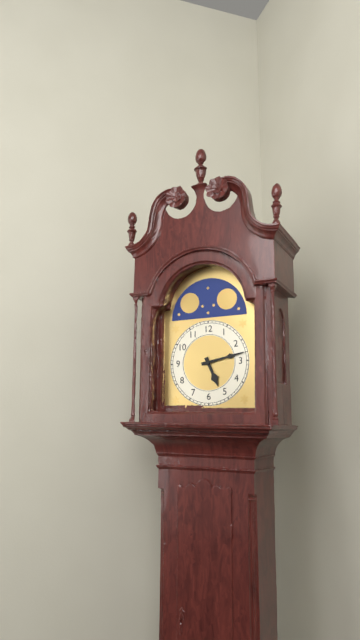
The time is {"hour": 5, "minute": 13}
